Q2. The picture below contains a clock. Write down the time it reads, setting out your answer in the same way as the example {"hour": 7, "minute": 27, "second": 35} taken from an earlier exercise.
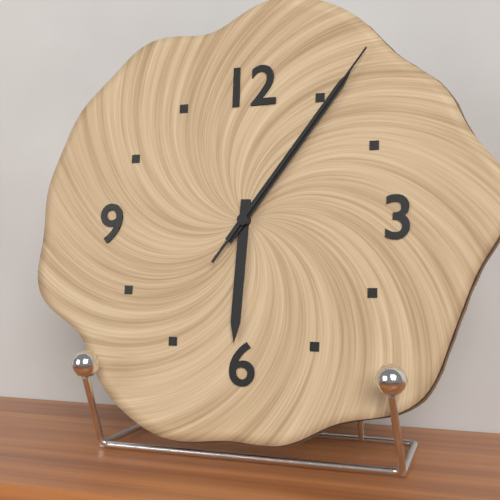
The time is {"hour": 6, "minute": 6, "second": 6}
